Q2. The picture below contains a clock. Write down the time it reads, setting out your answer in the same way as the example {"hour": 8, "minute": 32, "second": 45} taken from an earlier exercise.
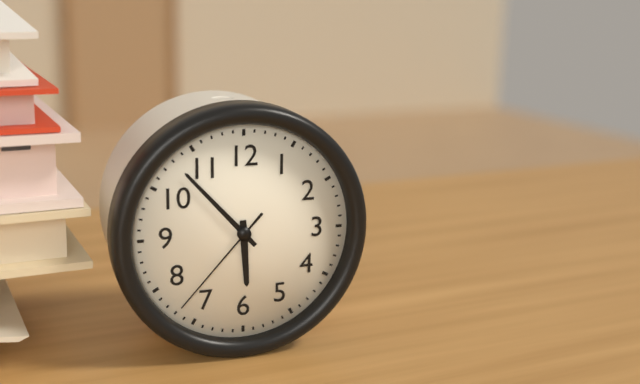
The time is {"hour": 5, "minute": 53, "second": 37}
